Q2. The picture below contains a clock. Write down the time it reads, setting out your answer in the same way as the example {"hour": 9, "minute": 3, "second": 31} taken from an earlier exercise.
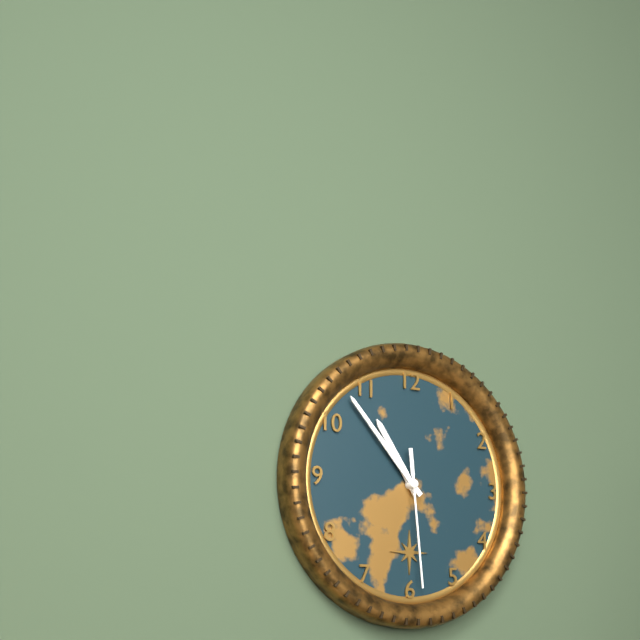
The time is {"hour": 10, "minute": 53, "second": 29}
